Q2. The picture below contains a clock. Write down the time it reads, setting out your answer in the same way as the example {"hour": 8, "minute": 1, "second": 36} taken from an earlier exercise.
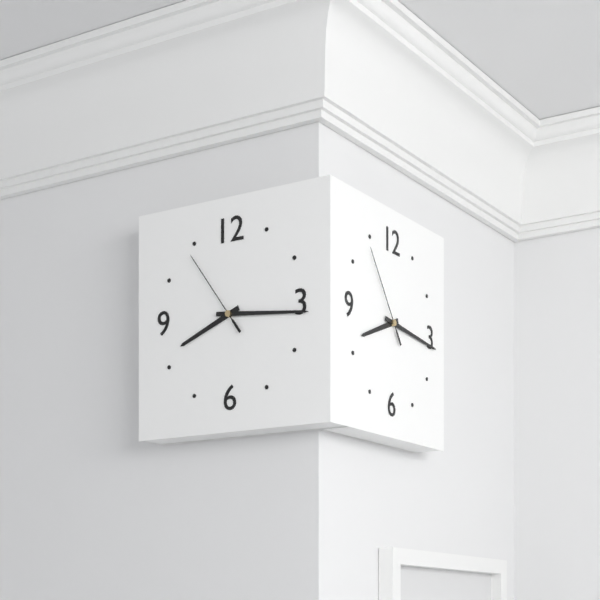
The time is {"hour": 8, "minute": 16, "second": 54}
